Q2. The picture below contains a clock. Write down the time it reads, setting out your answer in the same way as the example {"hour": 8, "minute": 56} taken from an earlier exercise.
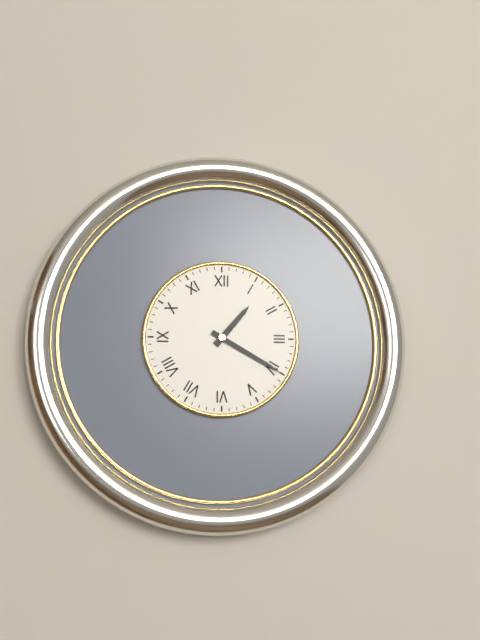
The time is {"hour": 1, "minute": 20}
